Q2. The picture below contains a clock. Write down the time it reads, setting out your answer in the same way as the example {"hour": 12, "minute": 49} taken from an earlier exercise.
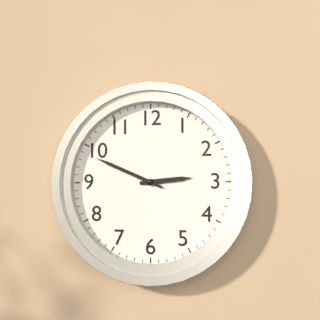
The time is {"hour": 2, "minute": 49}
